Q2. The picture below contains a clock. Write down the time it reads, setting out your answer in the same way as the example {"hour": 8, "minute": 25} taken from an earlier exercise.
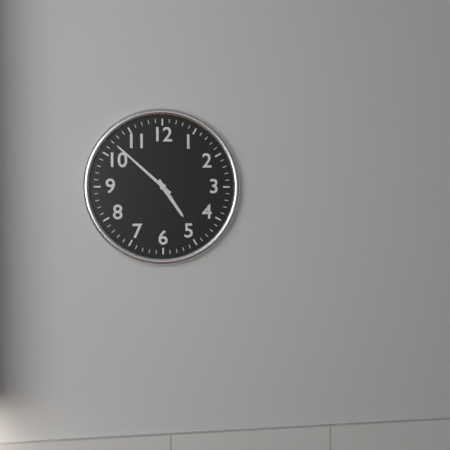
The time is {"hour": 4, "minute": 52}
